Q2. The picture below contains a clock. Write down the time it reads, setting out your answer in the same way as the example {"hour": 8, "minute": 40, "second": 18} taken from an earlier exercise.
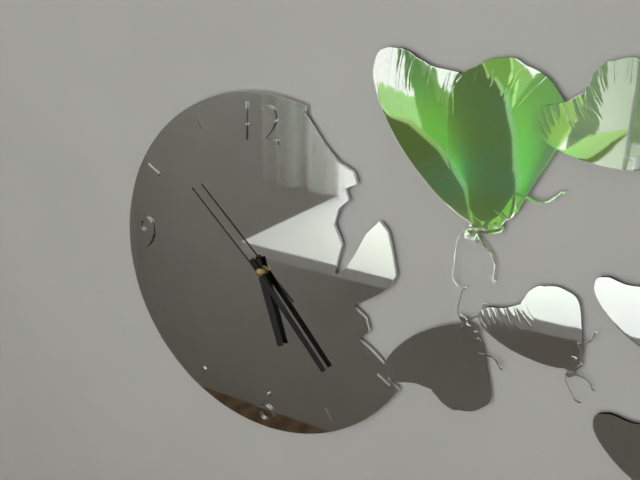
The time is {"hour": 5, "minute": 23, "second": 52}
